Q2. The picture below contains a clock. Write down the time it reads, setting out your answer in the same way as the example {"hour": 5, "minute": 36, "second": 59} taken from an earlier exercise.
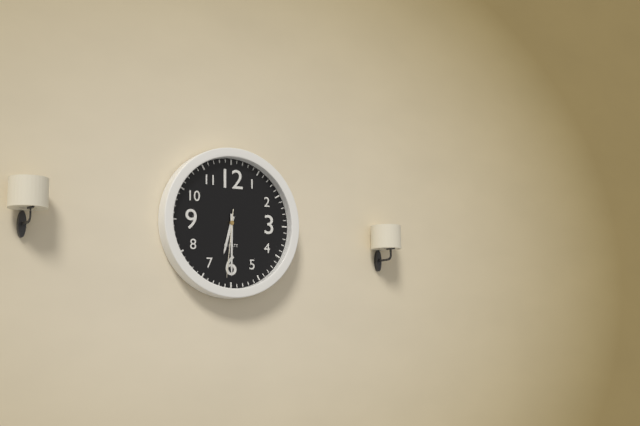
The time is {"hour": 6, "minute": 30, "second": 31}
